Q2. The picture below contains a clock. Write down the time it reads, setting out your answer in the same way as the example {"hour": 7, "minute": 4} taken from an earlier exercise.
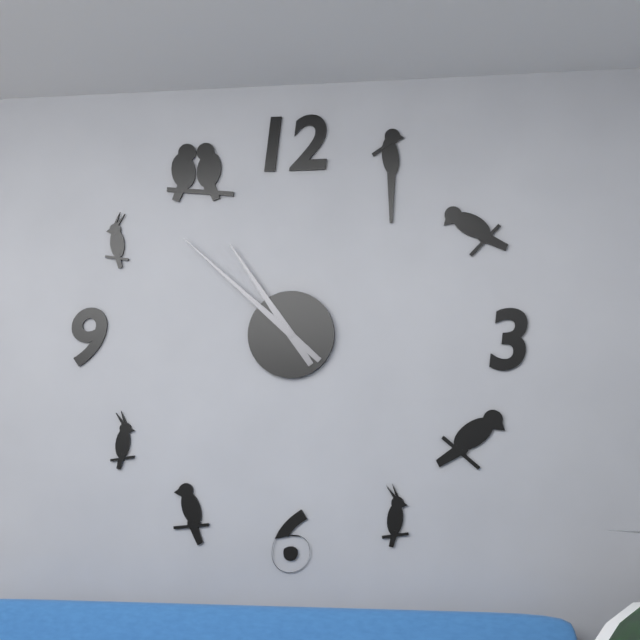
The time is {"hour": 10, "minute": 52}
